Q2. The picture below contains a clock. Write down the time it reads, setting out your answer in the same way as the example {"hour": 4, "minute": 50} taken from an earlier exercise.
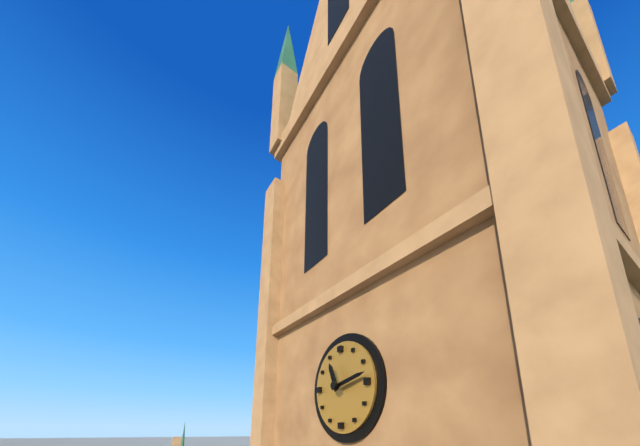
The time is {"hour": 11, "minute": 13}
